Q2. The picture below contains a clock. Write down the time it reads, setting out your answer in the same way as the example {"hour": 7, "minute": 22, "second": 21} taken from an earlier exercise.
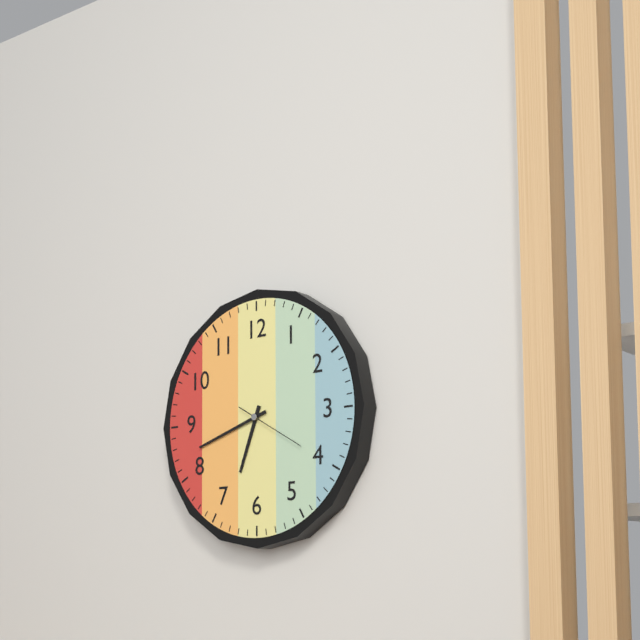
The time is {"hour": 6, "minute": 42, "second": 20}
